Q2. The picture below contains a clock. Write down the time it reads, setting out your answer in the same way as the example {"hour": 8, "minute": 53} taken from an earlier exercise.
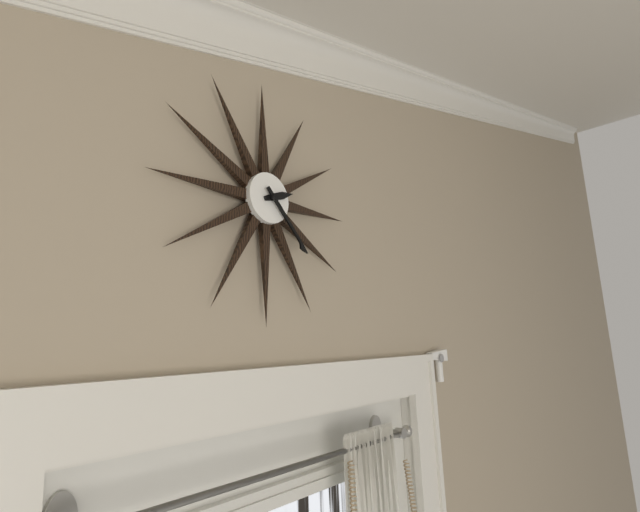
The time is {"hour": 2, "minute": 23}
